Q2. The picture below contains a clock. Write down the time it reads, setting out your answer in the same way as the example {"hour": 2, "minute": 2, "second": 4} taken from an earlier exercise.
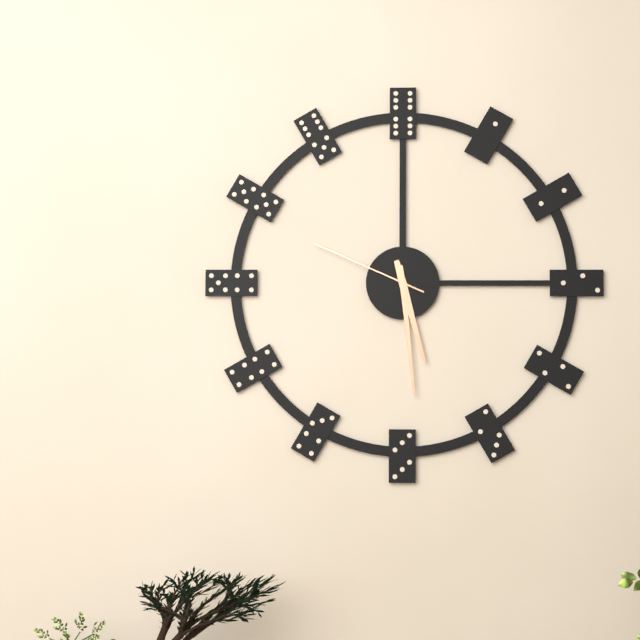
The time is {"hour": 5, "minute": 29, "second": 49}
